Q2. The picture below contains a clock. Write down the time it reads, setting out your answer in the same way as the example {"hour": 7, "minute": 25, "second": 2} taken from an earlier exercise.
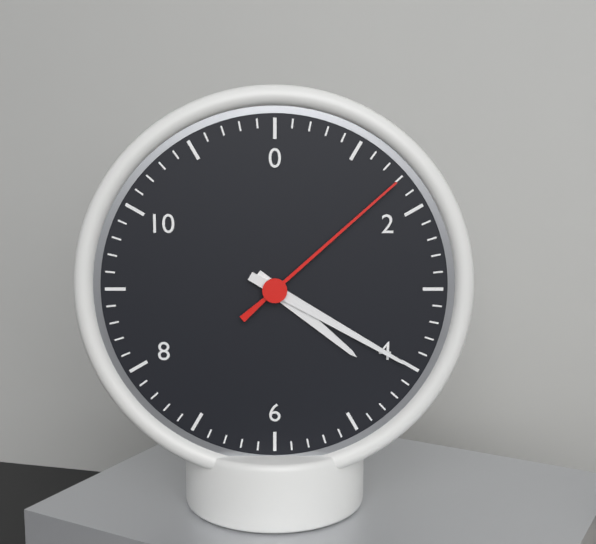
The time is {"hour": 4, "minute": 20, "second": 8}
